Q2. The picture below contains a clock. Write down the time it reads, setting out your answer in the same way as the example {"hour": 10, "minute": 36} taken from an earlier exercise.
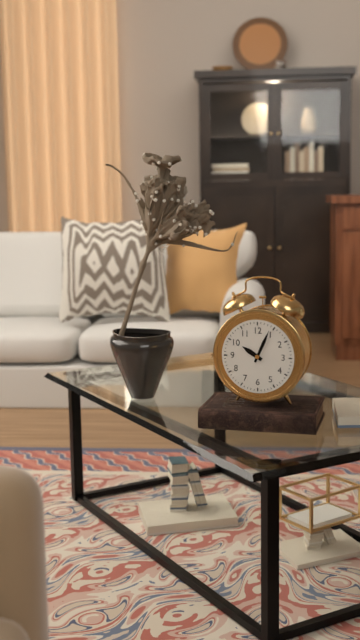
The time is {"hour": 10, "minute": 4}
